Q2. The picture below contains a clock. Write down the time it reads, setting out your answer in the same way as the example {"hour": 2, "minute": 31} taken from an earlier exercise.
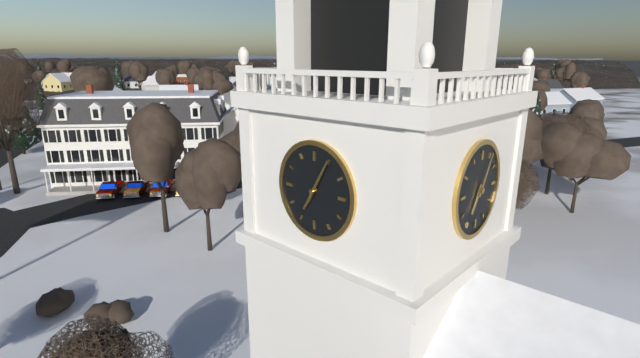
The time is {"hour": 7, "minute": 5}
